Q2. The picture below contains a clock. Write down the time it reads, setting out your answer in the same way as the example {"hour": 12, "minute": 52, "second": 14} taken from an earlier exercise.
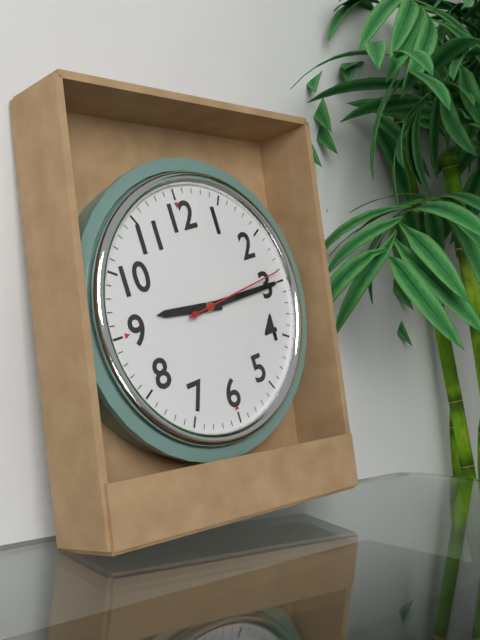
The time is {"hour": 9, "minute": 15, "second": 14}
